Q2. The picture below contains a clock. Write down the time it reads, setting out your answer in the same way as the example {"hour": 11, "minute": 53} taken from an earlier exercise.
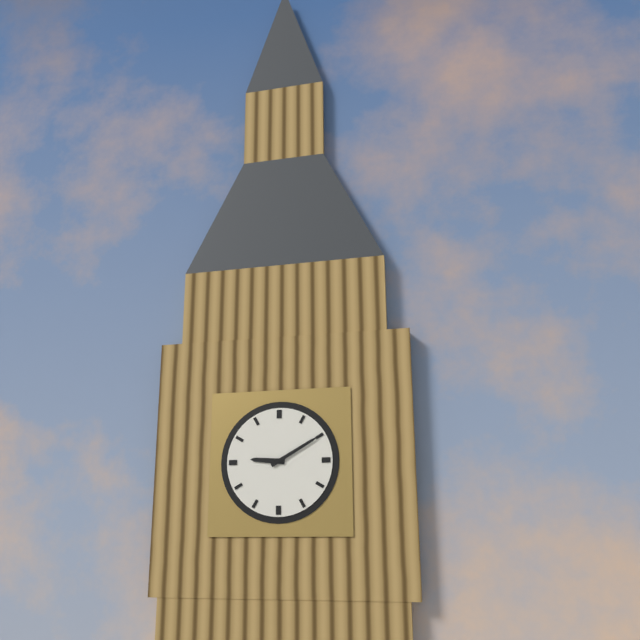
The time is {"hour": 9, "minute": 10}
